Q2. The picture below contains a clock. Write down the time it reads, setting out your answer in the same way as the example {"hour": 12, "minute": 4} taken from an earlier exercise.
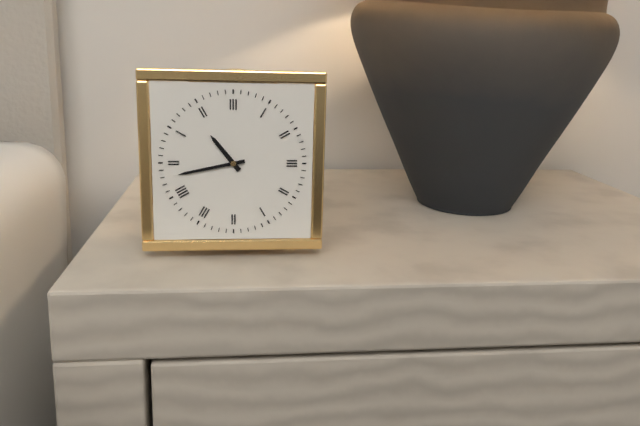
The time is {"hour": 10, "minute": 43}
